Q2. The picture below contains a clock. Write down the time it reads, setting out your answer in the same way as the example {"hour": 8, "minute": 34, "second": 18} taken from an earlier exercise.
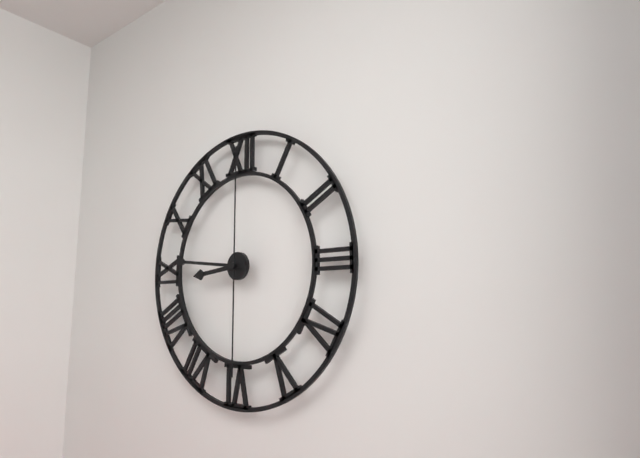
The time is {"hour": 8, "minute": 46, "second": 0}
